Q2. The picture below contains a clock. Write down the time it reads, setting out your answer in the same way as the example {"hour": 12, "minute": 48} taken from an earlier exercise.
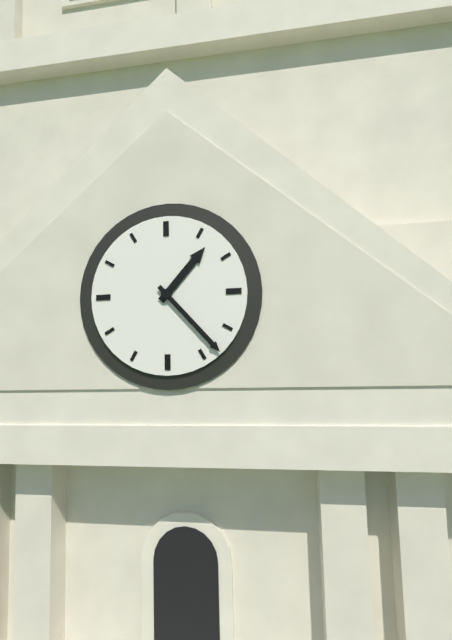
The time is {"hour": 1, "minute": 23}
